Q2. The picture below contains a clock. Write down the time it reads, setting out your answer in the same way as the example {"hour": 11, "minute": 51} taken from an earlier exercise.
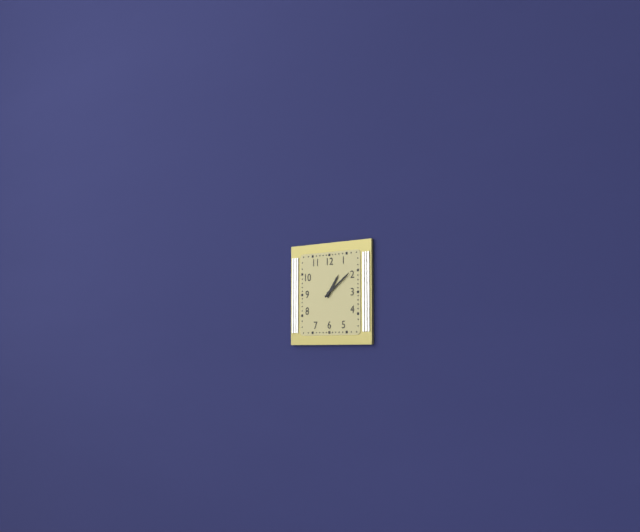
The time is {"hour": 1, "minute": 9}
